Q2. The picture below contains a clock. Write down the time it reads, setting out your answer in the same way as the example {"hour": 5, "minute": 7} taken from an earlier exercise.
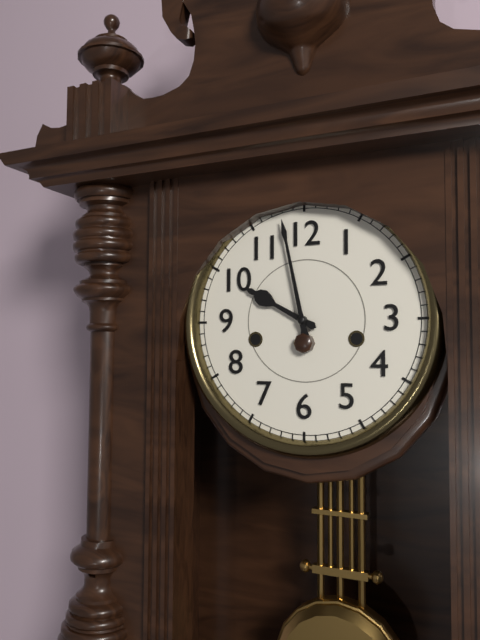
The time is {"hour": 9, "minute": 58}
